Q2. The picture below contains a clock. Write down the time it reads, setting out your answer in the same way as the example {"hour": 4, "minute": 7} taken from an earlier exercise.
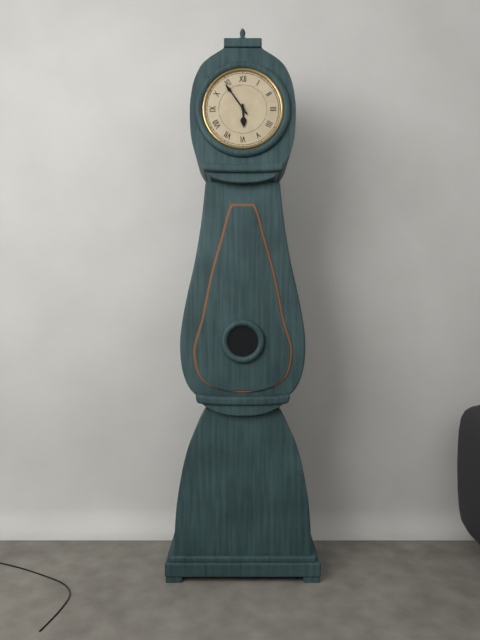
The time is {"hour": 5, "minute": 54}
